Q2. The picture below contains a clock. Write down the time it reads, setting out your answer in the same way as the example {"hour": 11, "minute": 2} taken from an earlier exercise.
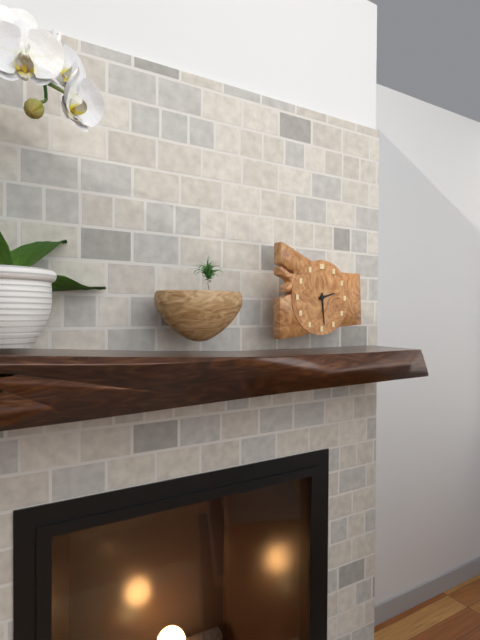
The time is {"hour": 2, "minute": 29}
